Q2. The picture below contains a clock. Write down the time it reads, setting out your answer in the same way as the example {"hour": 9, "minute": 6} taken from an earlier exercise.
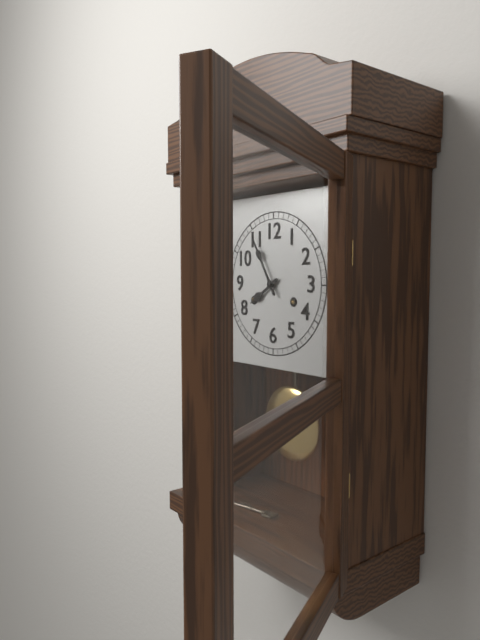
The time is {"hour": 7, "minute": 55}
